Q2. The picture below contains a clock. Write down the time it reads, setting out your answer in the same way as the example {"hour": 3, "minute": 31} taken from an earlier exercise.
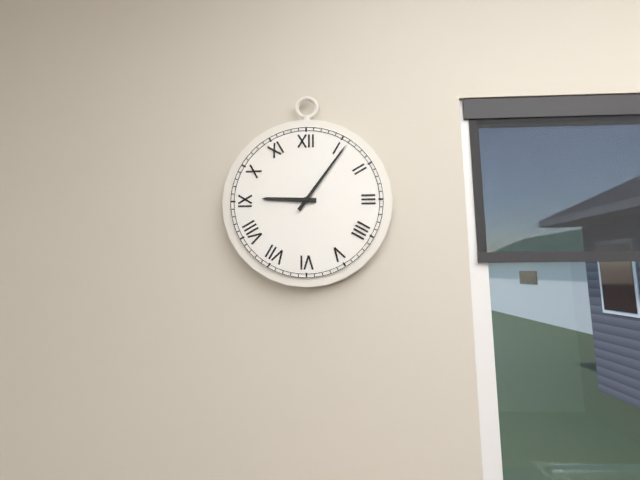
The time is {"hour": 9, "minute": 6}
